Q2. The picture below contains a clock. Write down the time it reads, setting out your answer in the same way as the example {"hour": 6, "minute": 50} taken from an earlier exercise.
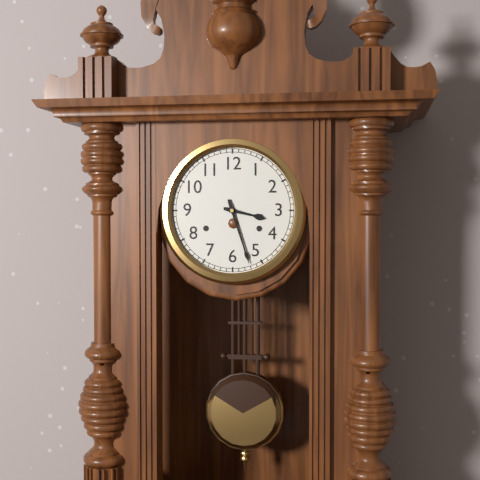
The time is {"hour": 3, "minute": 27}
